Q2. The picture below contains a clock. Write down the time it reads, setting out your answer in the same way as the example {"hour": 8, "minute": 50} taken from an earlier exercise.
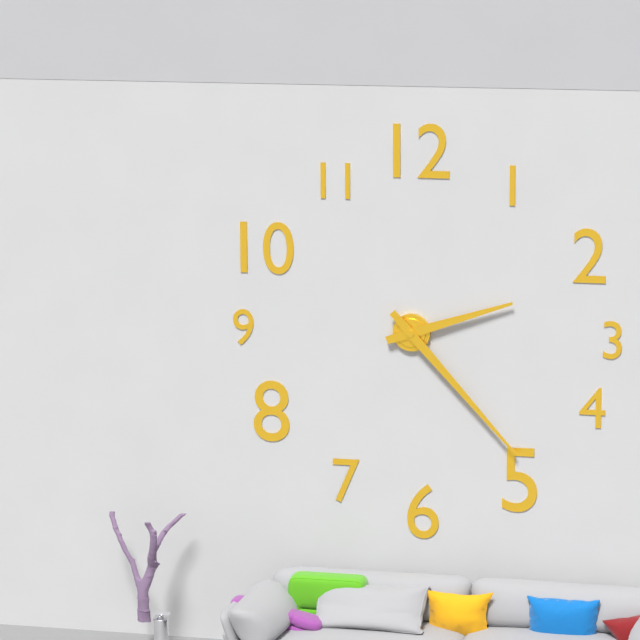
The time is {"hour": 2, "minute": 23}
